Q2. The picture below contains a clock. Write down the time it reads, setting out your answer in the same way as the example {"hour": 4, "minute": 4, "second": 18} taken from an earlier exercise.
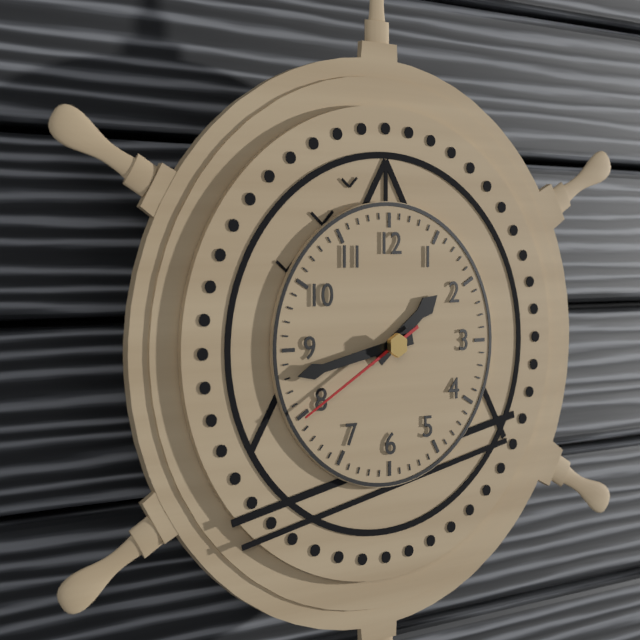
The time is {"hour": 1, "minute": 43, "second": 40}
